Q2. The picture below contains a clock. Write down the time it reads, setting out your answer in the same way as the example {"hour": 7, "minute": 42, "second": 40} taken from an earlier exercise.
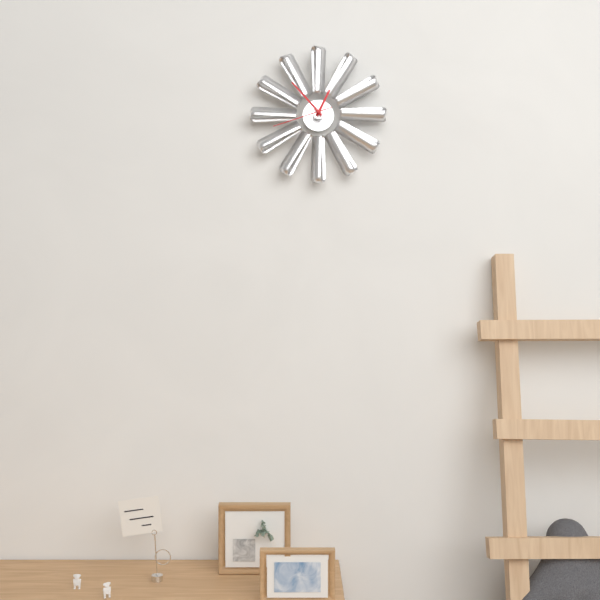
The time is {"hour": 12, "minute": 53, "second": 42}
